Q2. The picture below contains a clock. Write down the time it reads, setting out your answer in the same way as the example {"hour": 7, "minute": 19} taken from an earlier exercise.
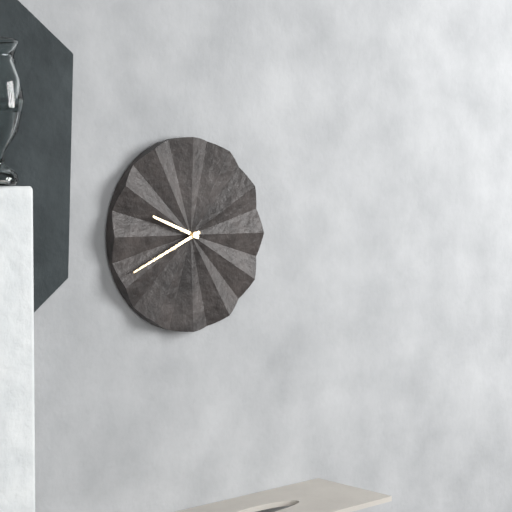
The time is {"hour": 9, "minute": 41}
